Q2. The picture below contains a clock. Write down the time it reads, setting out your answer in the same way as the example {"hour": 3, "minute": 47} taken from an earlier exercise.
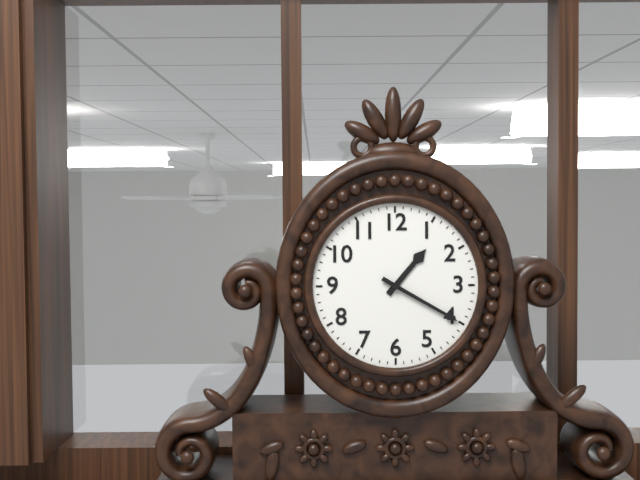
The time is {"hour": 1, "minute": 20}
